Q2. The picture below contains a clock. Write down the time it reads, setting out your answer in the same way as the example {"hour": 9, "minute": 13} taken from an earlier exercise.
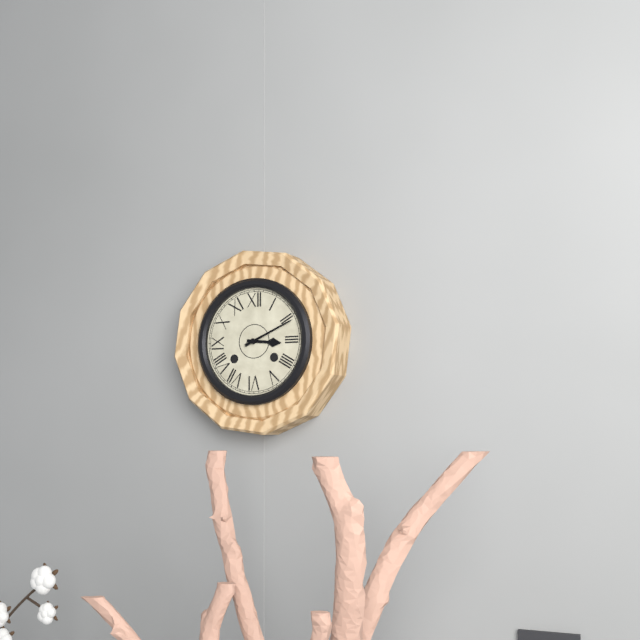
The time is {"hour": 3, "minute": 11}
